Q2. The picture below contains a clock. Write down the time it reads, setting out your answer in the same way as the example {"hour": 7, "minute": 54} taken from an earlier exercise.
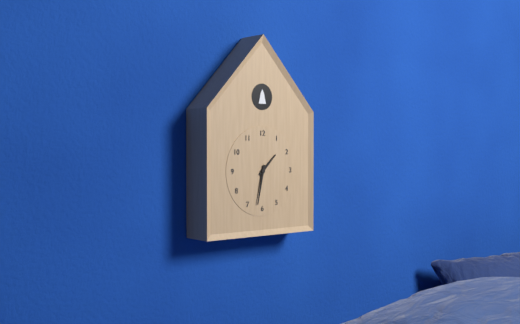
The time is {"hour": 1, "minute": 32}
